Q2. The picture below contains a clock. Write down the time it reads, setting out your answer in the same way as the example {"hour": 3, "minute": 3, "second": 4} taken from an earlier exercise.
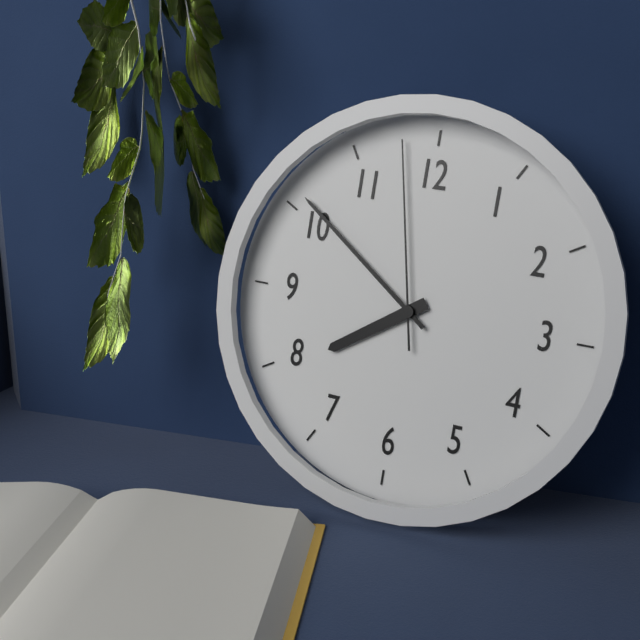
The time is {"hour": 7, "minute": 51, "second": 58}
